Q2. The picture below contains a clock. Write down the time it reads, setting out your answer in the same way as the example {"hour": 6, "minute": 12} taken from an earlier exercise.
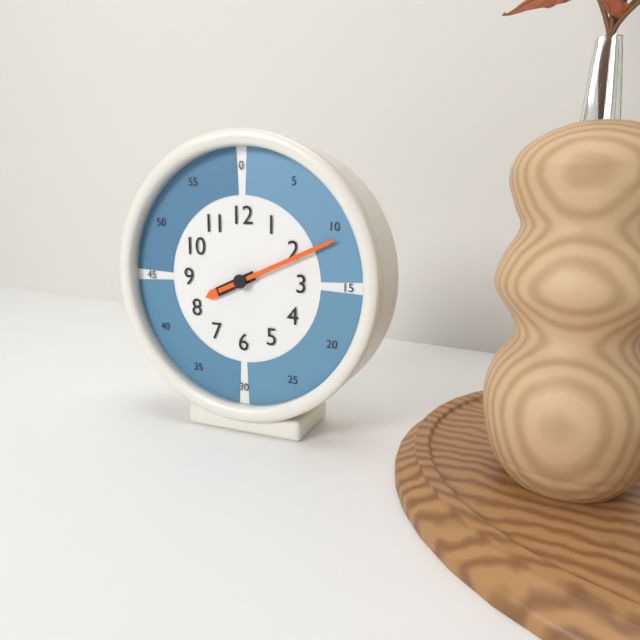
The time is {"hour": 8, "minute": 11}
